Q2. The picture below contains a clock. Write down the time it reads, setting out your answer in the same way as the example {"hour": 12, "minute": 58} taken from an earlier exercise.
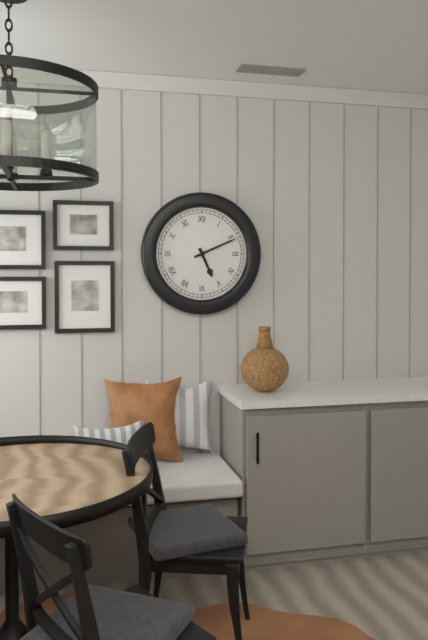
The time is {"hour": 5, "minute": 11}
